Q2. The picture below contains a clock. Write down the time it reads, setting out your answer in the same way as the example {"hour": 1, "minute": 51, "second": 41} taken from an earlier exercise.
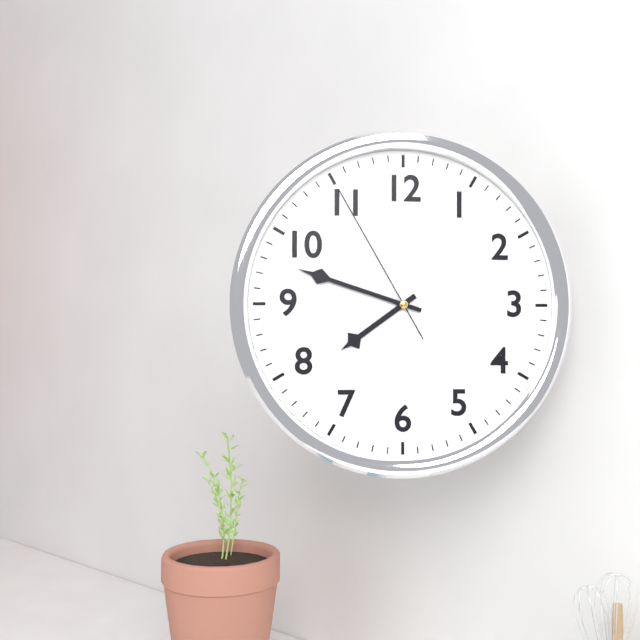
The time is {"hour": 7, "minute": 48, "second": 55}
